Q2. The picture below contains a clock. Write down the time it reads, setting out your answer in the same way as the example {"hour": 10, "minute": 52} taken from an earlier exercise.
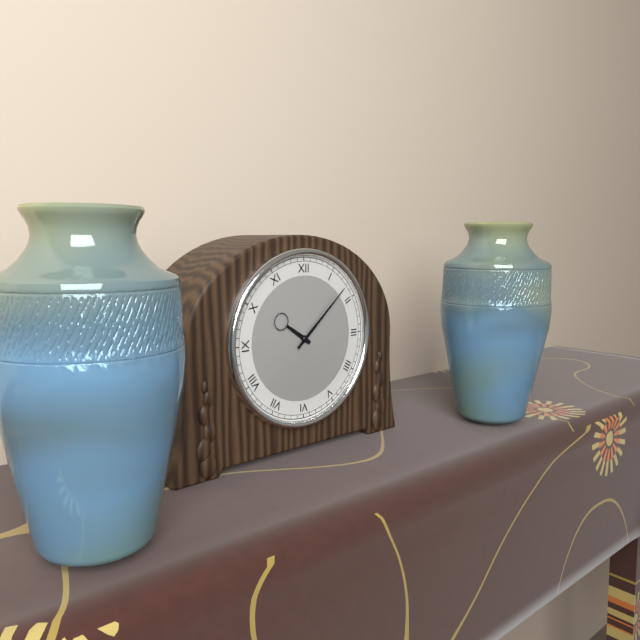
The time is {"hour": 10, "minute": 8}
